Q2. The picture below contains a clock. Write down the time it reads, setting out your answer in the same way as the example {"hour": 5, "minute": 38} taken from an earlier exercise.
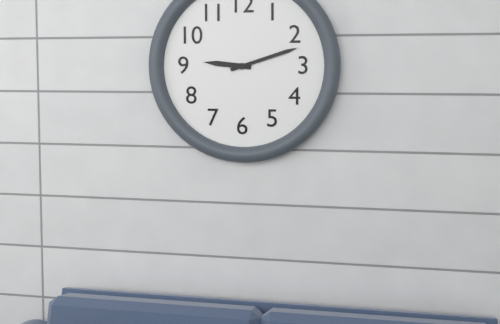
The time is {"hour": 9, "minute": 12}
